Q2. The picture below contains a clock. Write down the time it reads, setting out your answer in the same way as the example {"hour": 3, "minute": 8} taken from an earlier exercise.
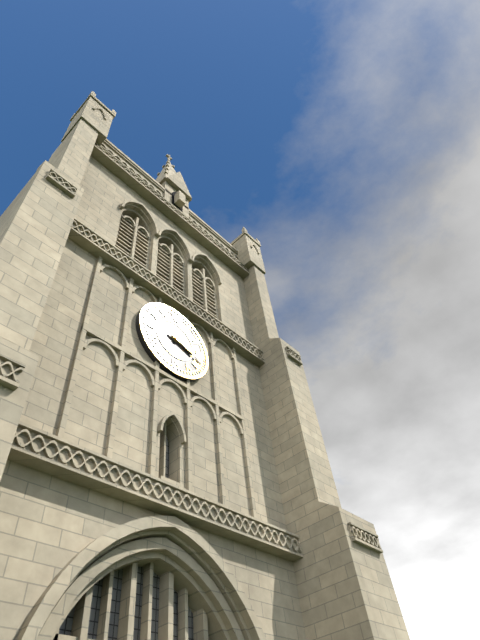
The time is {"hour": 3, "minute": 18}
